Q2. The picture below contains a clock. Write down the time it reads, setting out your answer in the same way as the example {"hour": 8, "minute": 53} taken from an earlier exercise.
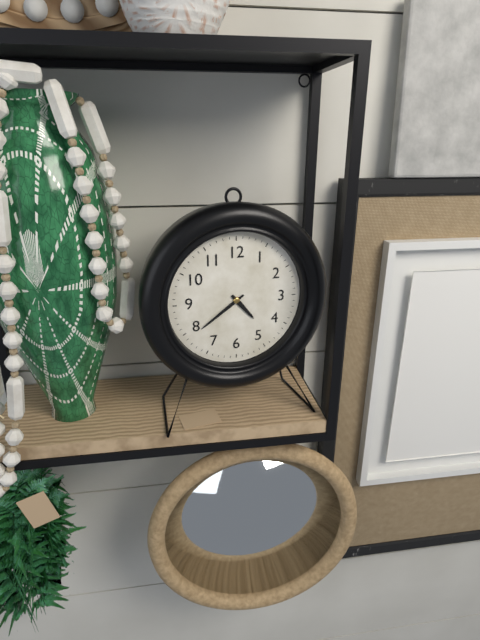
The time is {"hour": 4, "minute": 39}
